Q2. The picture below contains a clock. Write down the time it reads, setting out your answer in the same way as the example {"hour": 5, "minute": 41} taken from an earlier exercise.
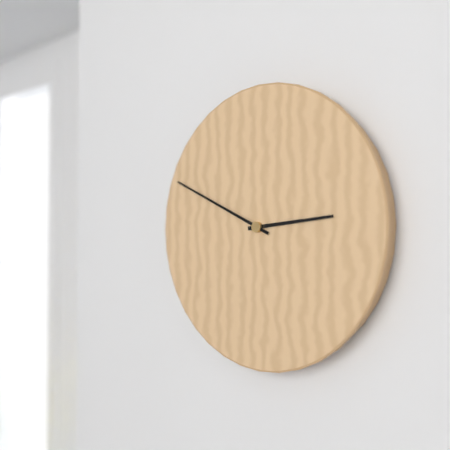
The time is {"hour": 2, "minute": 49}
